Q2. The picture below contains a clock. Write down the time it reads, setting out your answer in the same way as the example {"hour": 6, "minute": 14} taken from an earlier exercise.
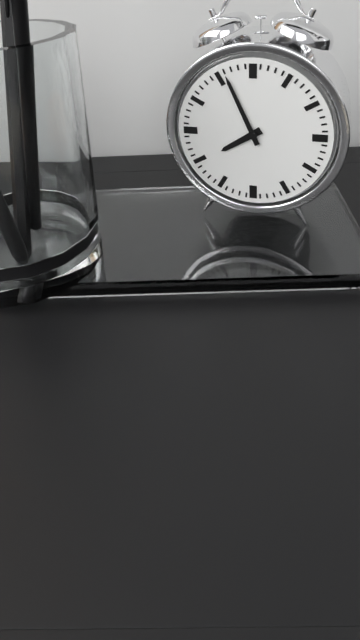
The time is {"hour": 7, "minute": 56}
